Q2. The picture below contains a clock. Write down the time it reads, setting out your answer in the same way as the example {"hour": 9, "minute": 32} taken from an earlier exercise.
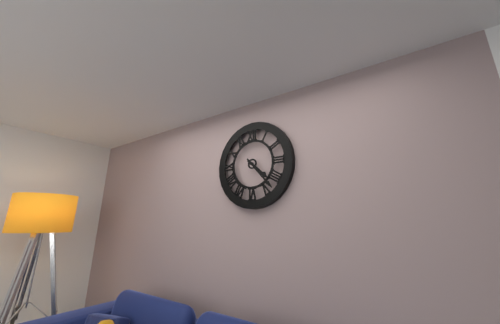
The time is {"hour": 4, "minute": 23}
